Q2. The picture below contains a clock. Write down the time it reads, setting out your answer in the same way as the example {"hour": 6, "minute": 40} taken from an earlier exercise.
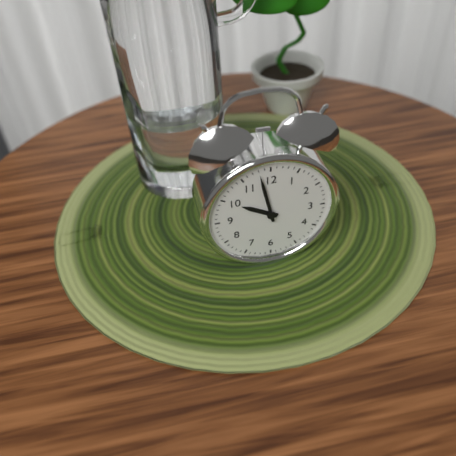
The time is {"hour": 9, "minute": 58}
